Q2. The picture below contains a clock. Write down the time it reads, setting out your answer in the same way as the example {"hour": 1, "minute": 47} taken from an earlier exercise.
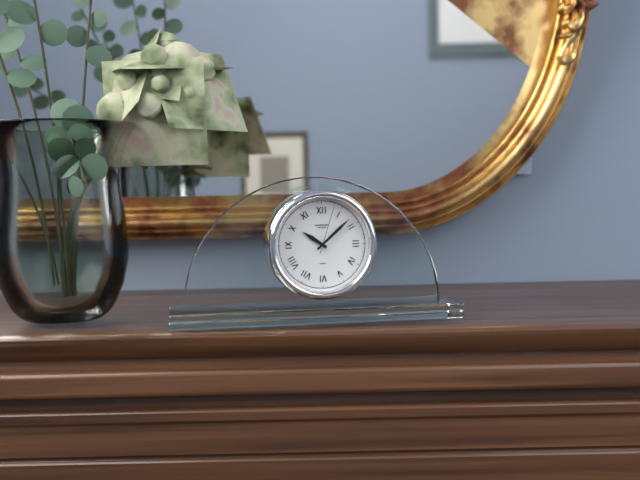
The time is {"hour": 10, "minute": 8}
